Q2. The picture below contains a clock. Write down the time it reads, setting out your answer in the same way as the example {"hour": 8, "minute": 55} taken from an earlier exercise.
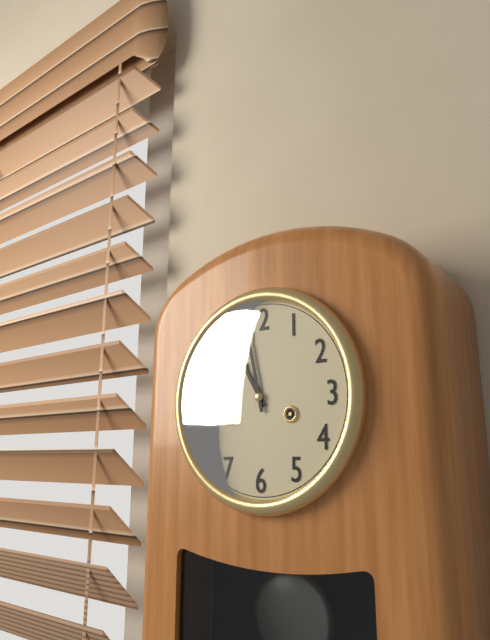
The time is {"hour": 10, "minute": 58}
